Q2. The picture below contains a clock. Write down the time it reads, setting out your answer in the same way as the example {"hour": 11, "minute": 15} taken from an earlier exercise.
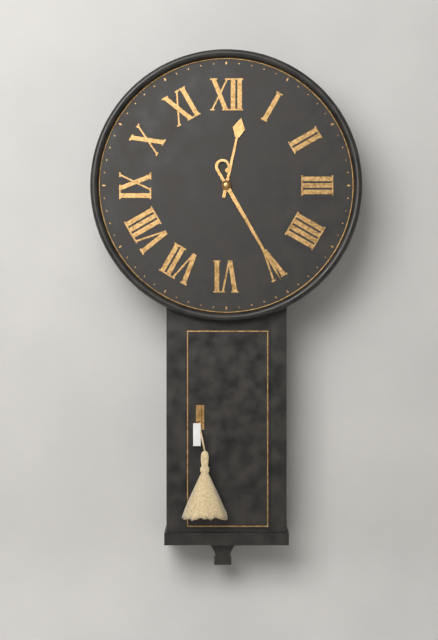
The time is {"hour": 12, "minute": 25}
